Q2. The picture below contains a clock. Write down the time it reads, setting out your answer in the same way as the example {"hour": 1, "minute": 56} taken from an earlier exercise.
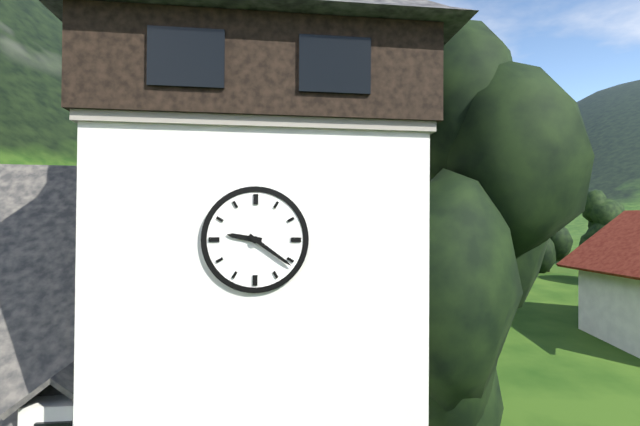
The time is {"hour": 9, "minute": 21}
